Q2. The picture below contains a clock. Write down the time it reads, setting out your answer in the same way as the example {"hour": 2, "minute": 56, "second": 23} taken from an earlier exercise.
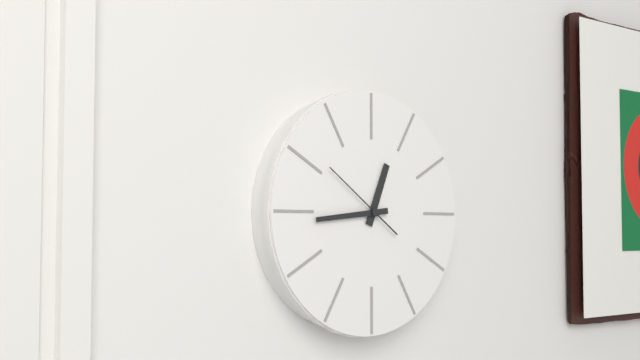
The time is {"hour": 12, "minute": 44, "second": 51}
